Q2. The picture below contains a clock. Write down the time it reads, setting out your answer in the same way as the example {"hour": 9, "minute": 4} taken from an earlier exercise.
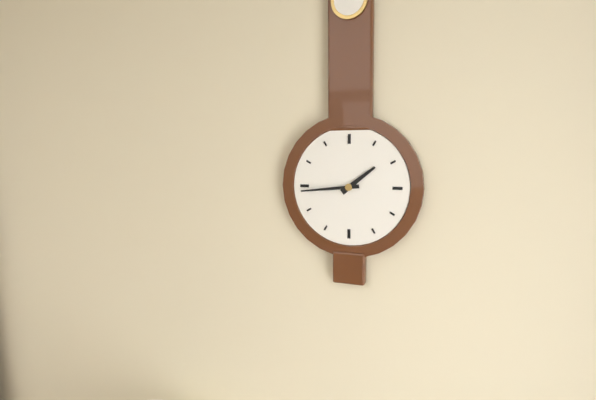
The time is {"hour": 1, "minute": 44}
